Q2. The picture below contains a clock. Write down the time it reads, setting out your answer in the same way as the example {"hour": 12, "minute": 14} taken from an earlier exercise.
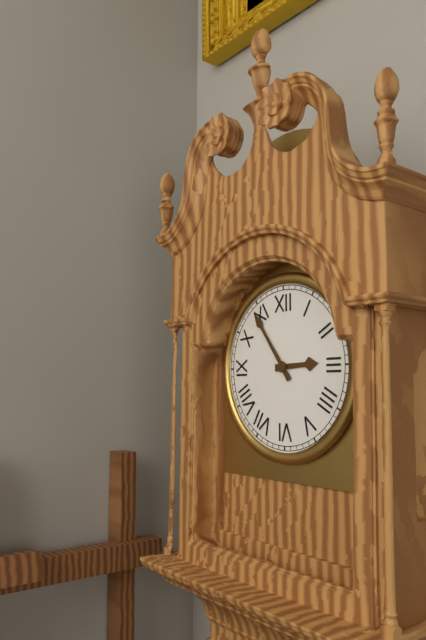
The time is {"hour": 2, "minute": 54}
